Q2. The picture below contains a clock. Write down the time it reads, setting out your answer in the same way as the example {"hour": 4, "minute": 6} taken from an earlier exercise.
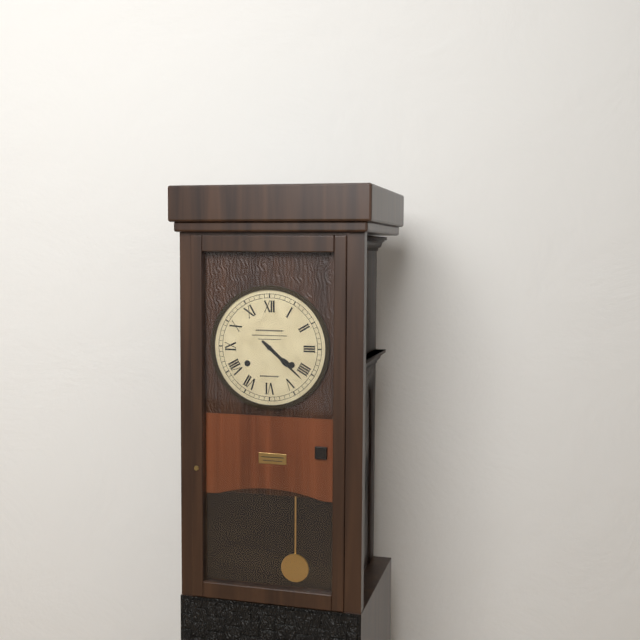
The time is {"hour": 4, "minute": 22}
